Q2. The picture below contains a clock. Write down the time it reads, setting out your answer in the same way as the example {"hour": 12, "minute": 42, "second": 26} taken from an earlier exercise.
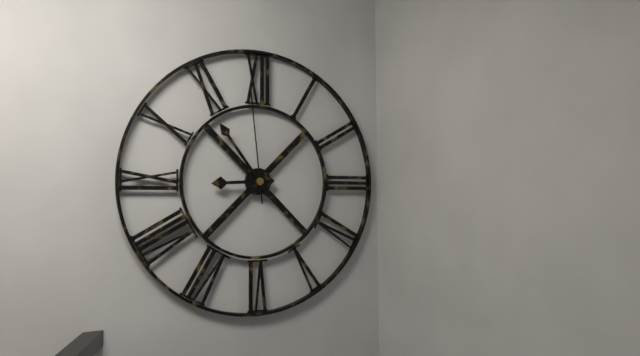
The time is {"hour": 8, "minute": 54, "second": 59}
